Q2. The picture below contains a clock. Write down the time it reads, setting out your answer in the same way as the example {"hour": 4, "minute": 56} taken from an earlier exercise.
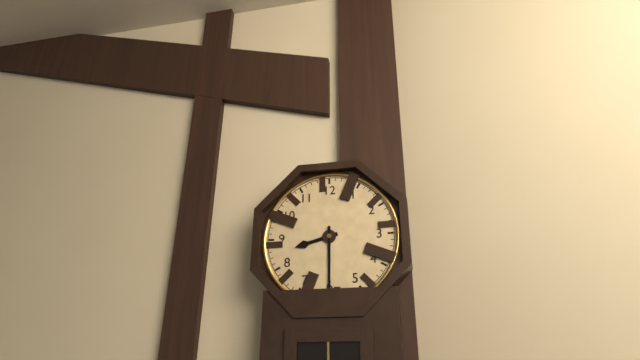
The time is {"hour": 8, "minute": 30}
